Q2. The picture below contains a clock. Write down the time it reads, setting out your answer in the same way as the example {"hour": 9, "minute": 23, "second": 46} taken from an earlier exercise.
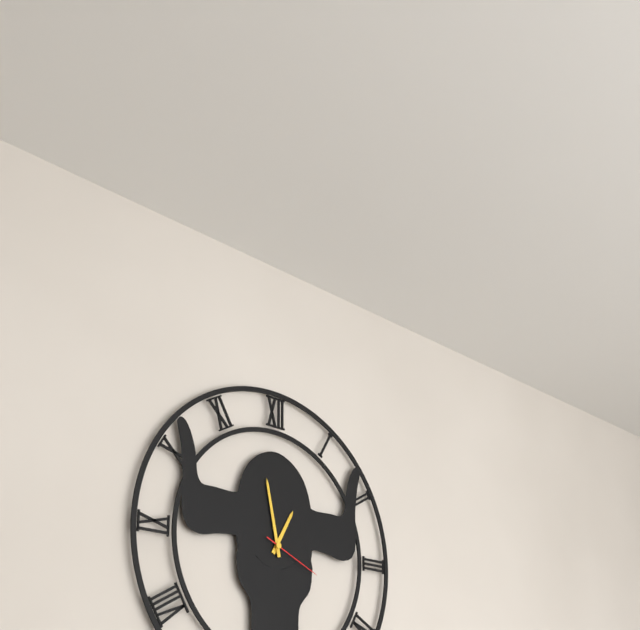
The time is {"hour": 12, "minute": 58, "second": 19}
